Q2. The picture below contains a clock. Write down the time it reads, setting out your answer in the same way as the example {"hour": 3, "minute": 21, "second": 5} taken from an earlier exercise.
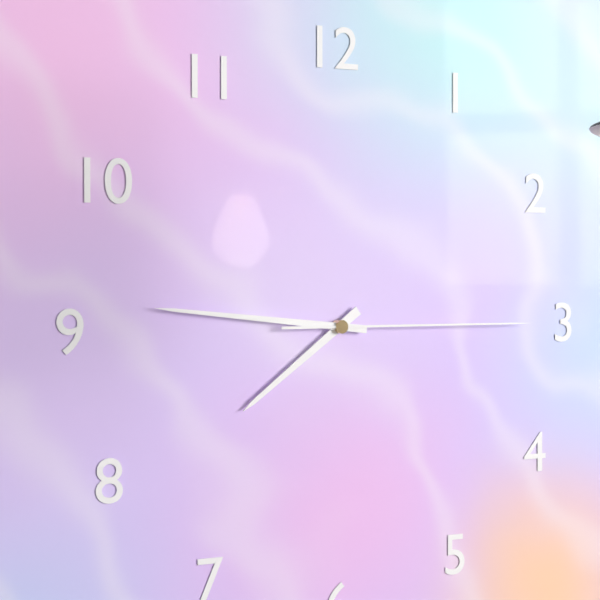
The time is {"hour": 7, "minute": 46, "second": 15}
